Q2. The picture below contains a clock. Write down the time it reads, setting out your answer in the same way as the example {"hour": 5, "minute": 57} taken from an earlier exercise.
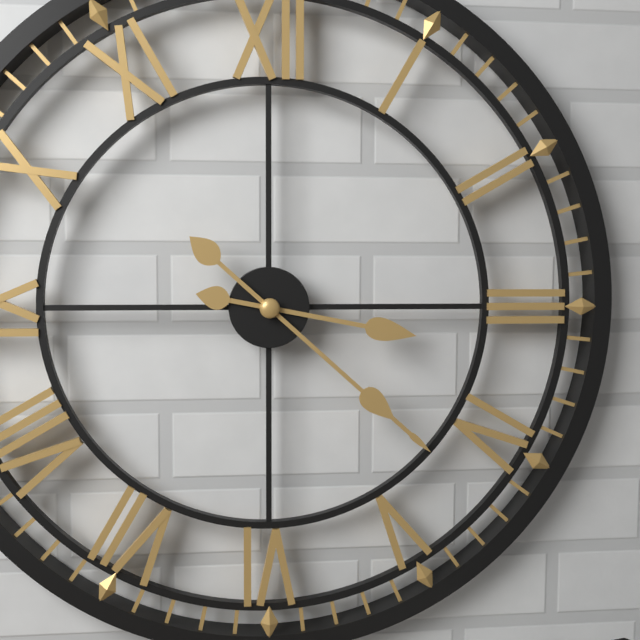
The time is {"hour": 3, "minute": 22}
